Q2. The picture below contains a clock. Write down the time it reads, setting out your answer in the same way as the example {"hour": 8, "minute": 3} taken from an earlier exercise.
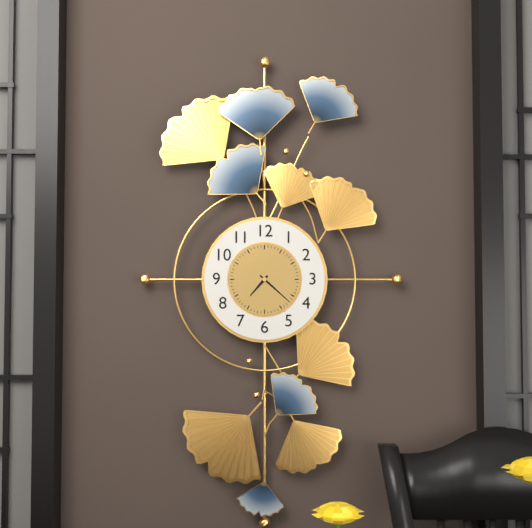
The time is {"hour": 7, "minute": 22}
